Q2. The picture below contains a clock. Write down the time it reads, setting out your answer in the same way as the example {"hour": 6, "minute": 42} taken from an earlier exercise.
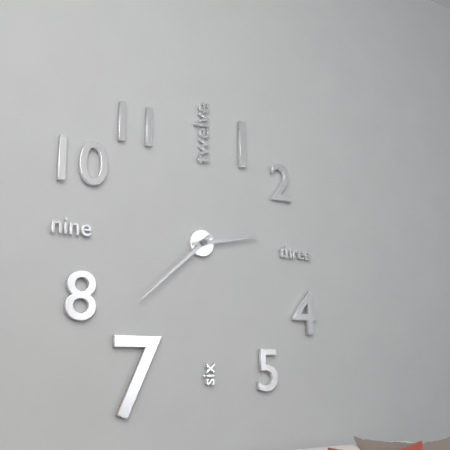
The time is {"hour": 2, "minute": 38}
